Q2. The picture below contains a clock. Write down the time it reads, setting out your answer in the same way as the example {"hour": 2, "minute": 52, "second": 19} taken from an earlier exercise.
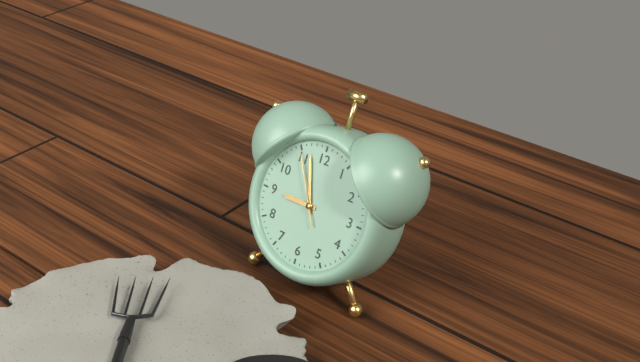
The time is {"hour": 8, "minute": 57, "second": 55}
